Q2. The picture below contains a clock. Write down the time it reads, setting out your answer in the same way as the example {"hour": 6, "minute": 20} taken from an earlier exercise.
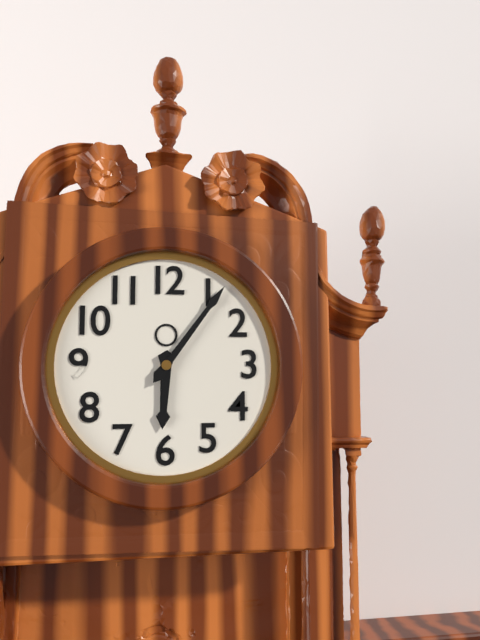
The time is {"hour": 6, "minute": 6}
